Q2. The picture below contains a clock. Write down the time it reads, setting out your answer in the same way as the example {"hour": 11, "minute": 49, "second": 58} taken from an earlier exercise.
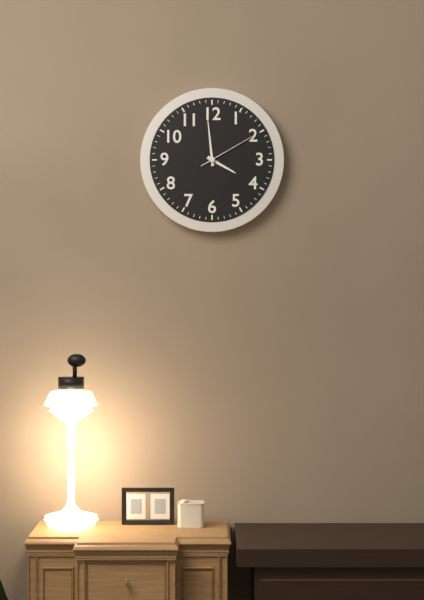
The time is {"hour": 3, "minute": 59, "second": 10}
